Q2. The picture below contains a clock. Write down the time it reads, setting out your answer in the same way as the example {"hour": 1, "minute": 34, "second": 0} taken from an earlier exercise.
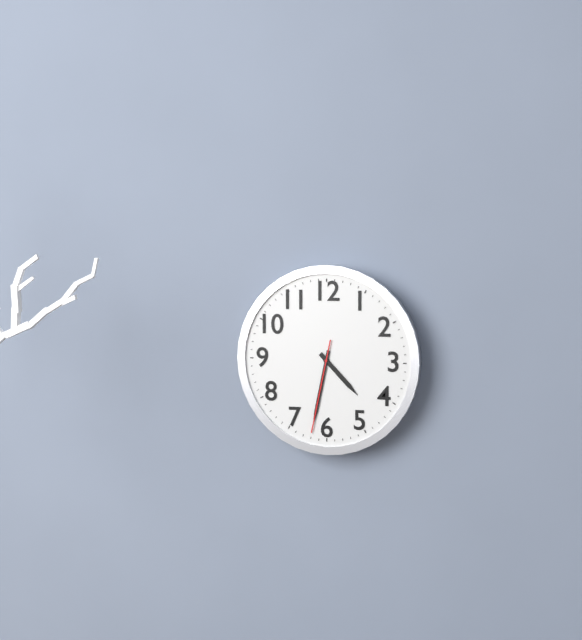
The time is {"hour": 4, "minute": 32, "second": 32}
